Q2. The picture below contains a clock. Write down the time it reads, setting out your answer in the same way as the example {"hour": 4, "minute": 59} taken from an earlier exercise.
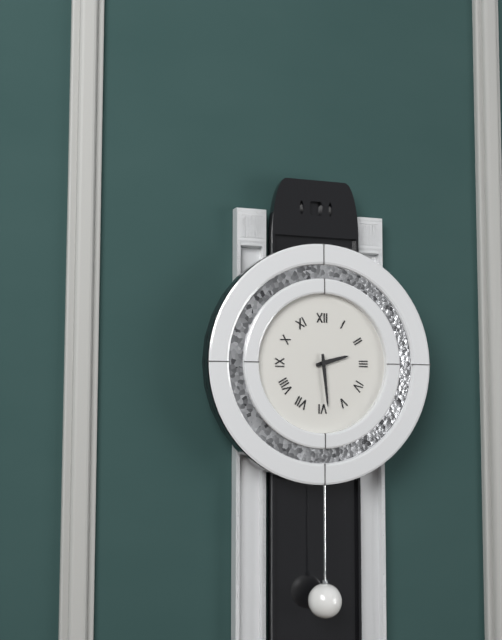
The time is {"hour": 2, "minute": 29}
